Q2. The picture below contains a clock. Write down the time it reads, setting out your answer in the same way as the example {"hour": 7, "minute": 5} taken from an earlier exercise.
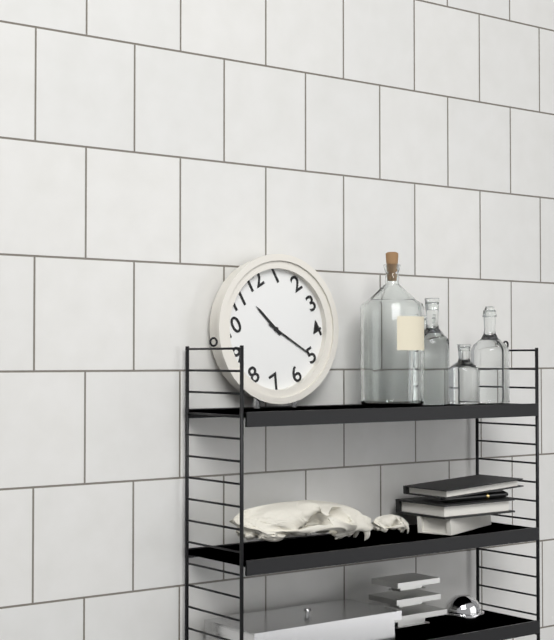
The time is {"hour": 11, "minute": 25}
